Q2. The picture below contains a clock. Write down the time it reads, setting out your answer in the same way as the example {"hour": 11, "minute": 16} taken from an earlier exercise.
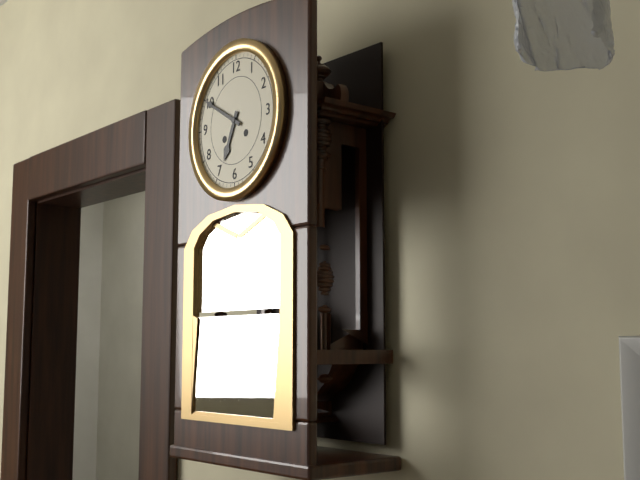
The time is {"hour": 6, "minute": 50}
